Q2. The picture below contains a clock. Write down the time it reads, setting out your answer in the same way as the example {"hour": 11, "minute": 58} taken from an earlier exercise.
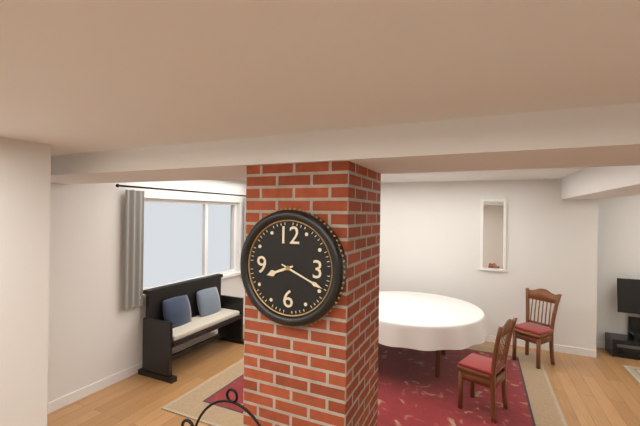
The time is {"hour": 8, "minute": 19}
